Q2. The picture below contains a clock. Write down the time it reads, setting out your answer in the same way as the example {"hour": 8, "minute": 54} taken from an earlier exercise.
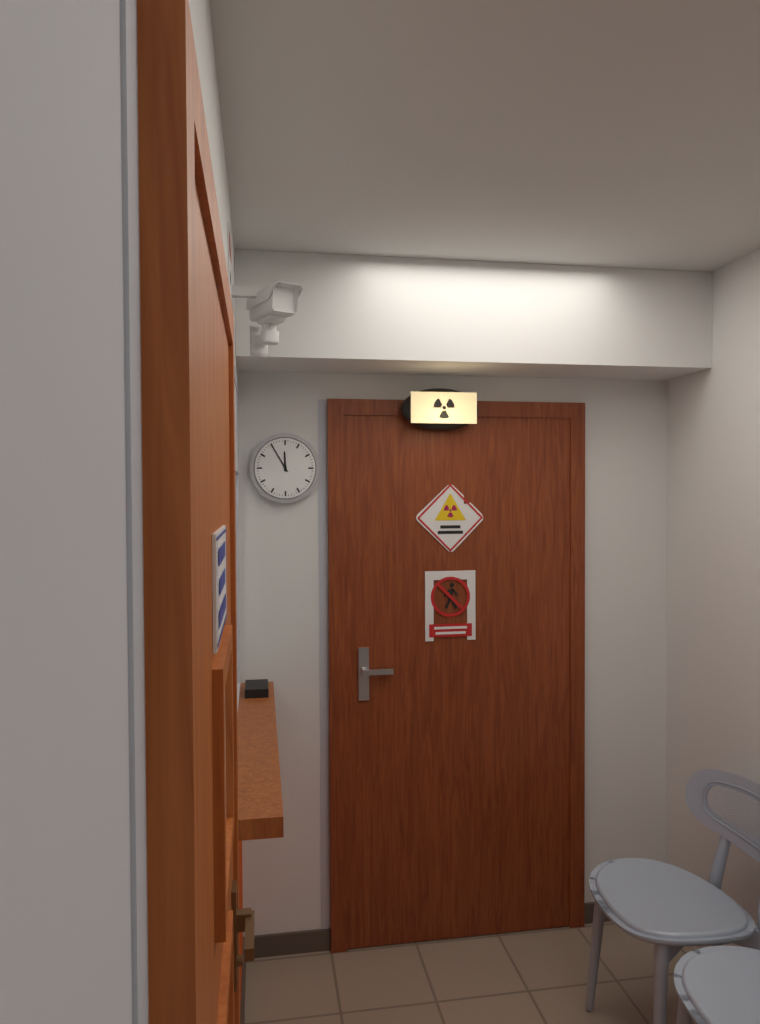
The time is {"hour": 11, "minute": 55}
